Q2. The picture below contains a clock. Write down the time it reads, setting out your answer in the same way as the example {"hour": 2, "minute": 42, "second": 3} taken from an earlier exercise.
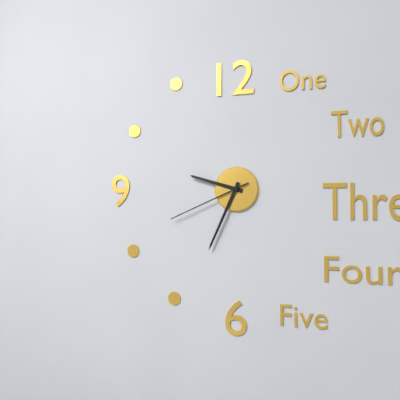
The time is {"hour": 9, "minute": 34, "second": 41}
